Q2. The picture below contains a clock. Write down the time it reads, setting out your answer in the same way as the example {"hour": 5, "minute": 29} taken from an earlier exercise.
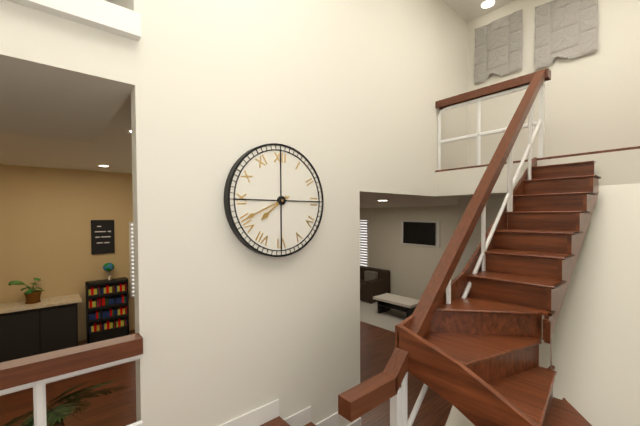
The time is {"hour": 7, "minute": 41}
